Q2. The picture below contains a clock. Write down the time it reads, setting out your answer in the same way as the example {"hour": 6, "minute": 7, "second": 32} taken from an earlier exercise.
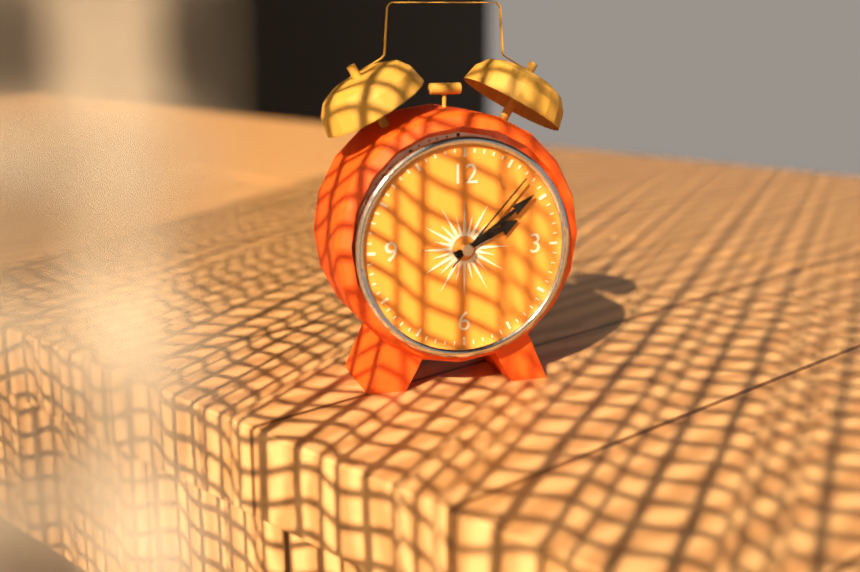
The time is {"hour": 2, "minute": 9, "second": 7}
